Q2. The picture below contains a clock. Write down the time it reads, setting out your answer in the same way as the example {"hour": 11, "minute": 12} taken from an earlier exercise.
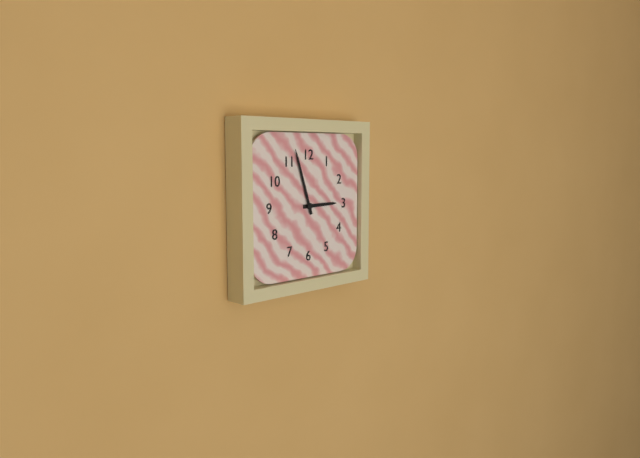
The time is {"hour": 2, "minute": 57}
